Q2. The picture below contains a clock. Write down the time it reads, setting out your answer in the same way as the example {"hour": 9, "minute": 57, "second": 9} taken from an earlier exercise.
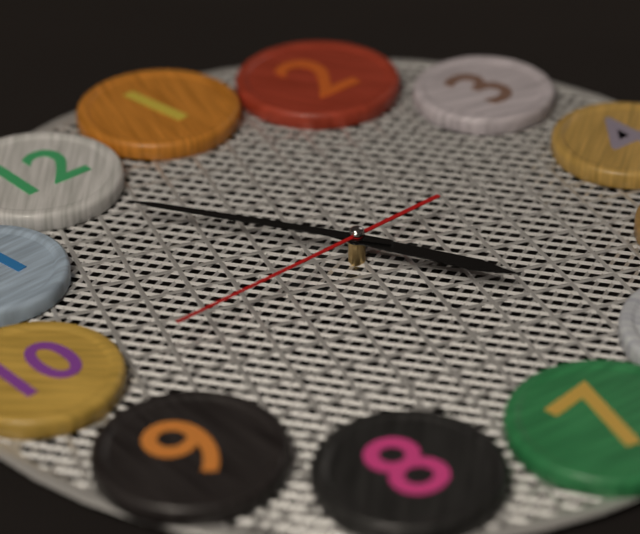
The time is {"hour": 5, "minute": 59, "second": 49}
